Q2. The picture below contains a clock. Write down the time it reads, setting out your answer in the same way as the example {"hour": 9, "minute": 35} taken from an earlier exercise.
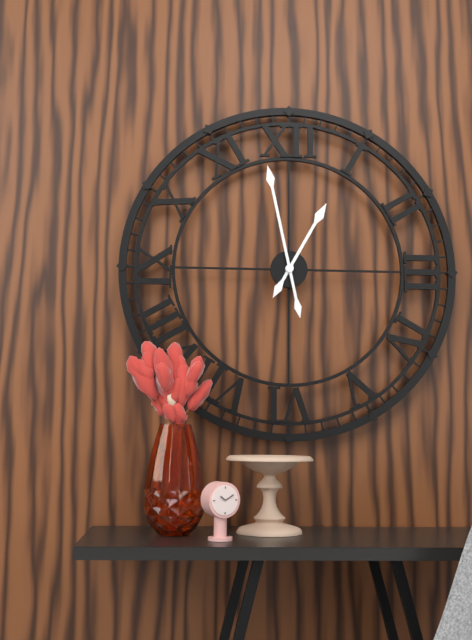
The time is {"hour": 12, "minute": 58}
